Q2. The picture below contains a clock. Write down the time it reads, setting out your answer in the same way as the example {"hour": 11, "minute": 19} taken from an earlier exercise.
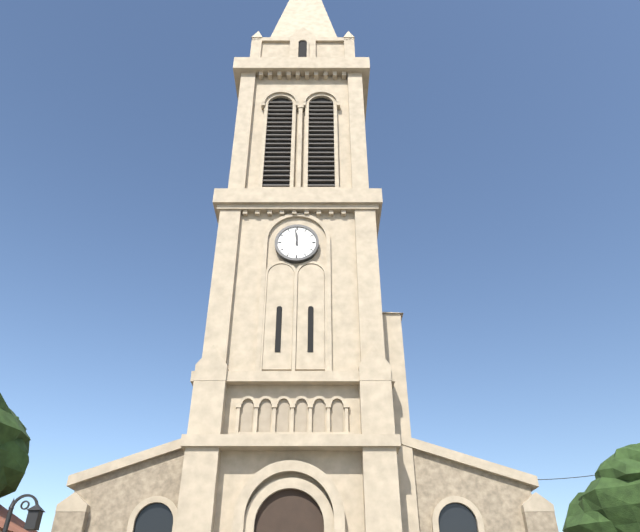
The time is {"hour": 11, "minute": 59}
